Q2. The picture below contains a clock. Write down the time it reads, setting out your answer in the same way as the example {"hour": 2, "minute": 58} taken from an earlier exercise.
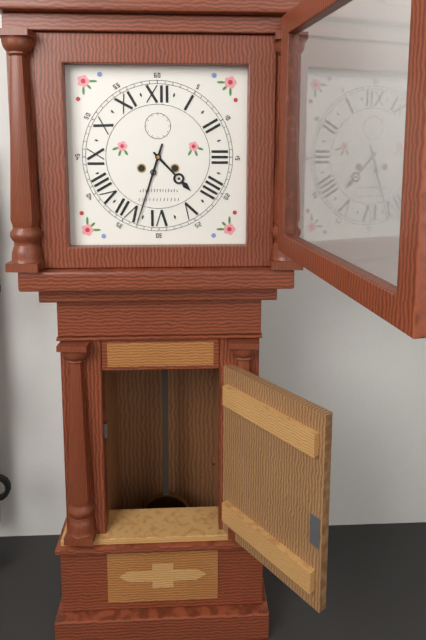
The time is {"hour": 4, "minute": 33}
